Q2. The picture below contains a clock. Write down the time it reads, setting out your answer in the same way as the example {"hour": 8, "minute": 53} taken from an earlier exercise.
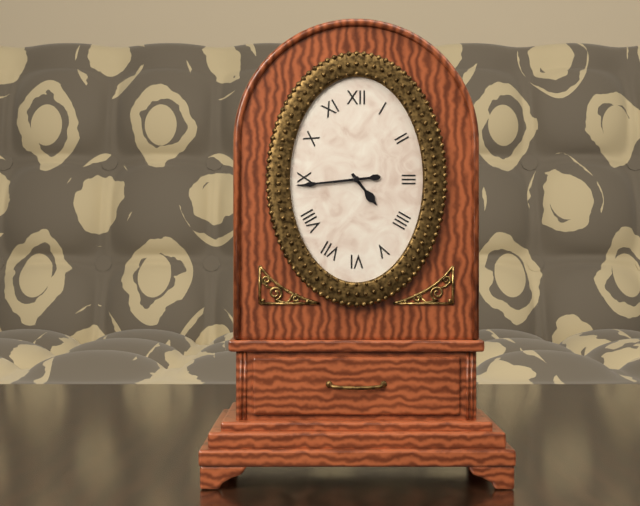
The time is {"hour": 4, "minute": 44}
